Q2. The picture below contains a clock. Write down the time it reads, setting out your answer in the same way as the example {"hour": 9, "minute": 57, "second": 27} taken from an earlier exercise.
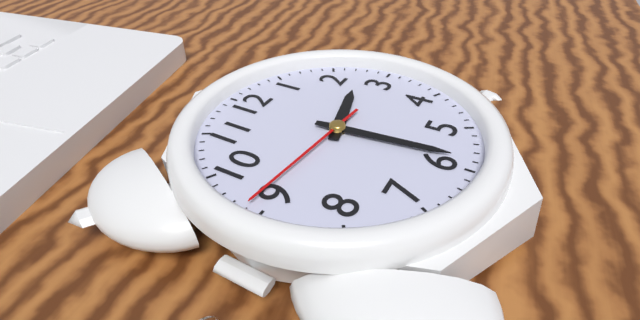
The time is {"hour": 2, "minute": 29, "second": 46}
